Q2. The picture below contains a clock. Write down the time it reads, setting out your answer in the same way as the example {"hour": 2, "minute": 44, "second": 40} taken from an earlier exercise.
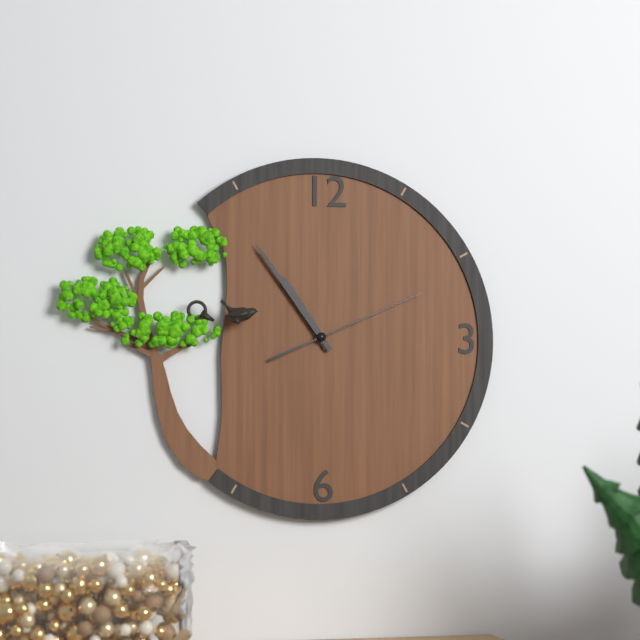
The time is {"hour": 10, "minute": 54, "second": 11}
